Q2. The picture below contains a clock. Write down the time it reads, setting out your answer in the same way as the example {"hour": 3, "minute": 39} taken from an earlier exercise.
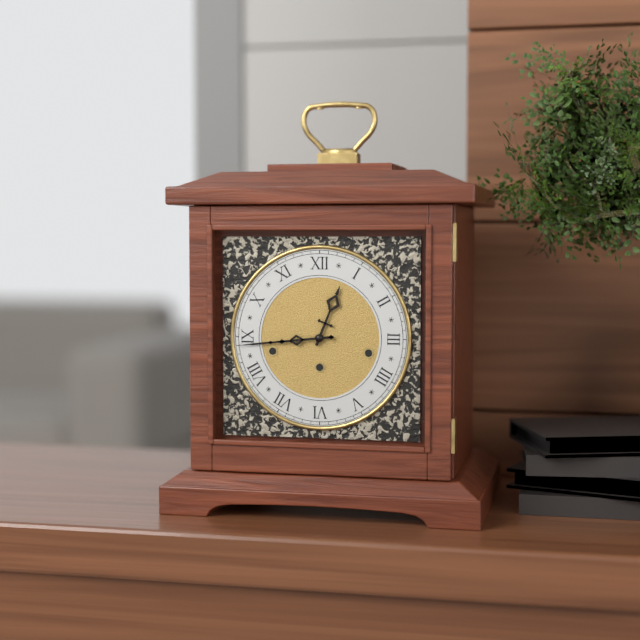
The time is {"hour": 12, "minute": 44}
